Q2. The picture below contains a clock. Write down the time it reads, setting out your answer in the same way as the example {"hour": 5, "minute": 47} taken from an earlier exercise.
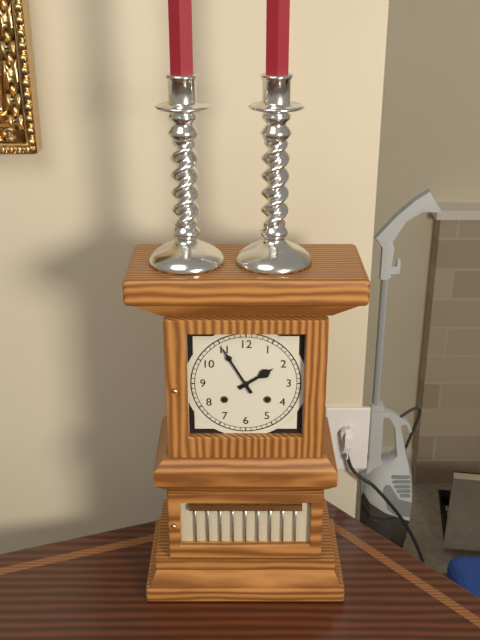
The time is {"hour": 1, "minute": 55}
